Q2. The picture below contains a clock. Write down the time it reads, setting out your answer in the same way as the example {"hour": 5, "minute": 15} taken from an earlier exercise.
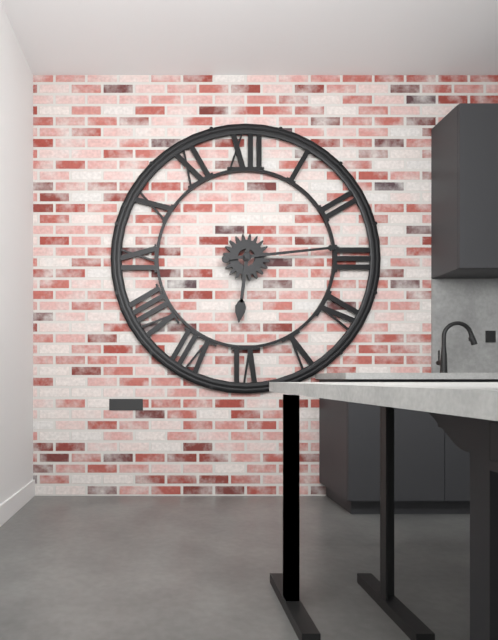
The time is {"hour": 6, "minute": 14}
